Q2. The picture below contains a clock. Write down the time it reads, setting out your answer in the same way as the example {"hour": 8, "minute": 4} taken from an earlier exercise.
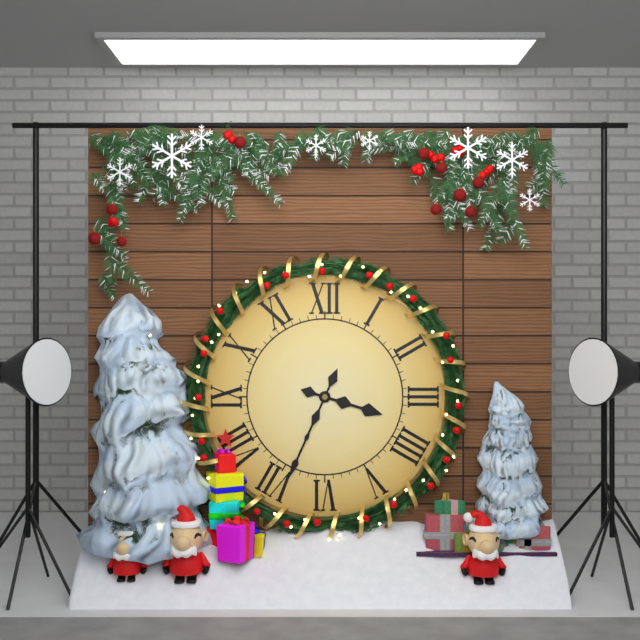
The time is {"hour": 3, "minute": 34}
